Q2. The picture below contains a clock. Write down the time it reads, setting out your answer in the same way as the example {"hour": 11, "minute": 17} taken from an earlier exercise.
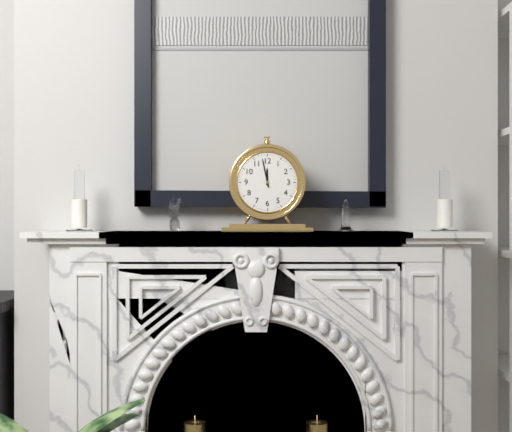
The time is {"hour": 11, "minute": 58}
